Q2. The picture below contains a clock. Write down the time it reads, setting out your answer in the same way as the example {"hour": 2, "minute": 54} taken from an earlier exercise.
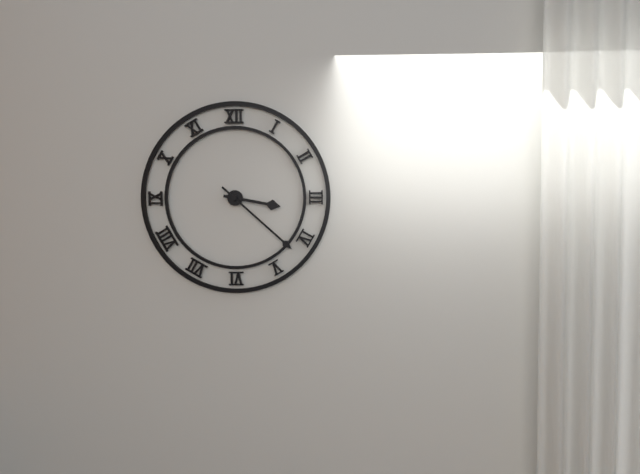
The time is {"hour": 3, "minute": 22}
